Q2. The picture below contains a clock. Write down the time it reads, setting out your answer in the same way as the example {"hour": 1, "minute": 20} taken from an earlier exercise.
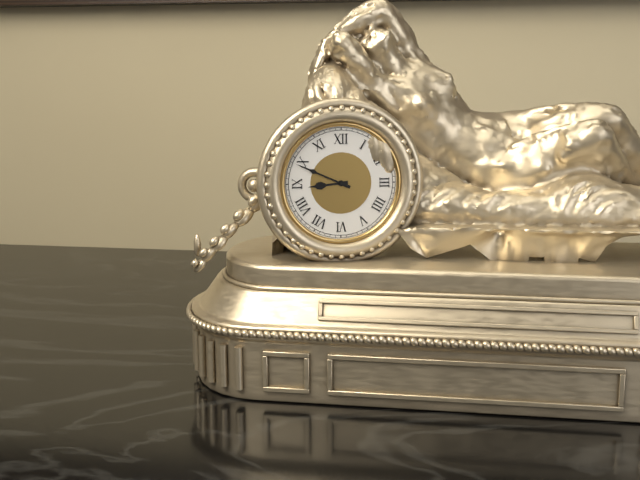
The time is {"hour": 8, "minute": 49}
